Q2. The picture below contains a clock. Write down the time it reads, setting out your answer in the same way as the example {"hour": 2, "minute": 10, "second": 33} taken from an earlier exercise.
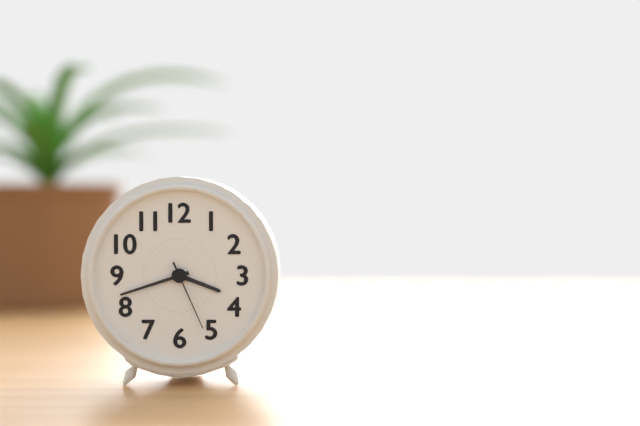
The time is {"hour": 3, "minute": 42, "second": 26}
